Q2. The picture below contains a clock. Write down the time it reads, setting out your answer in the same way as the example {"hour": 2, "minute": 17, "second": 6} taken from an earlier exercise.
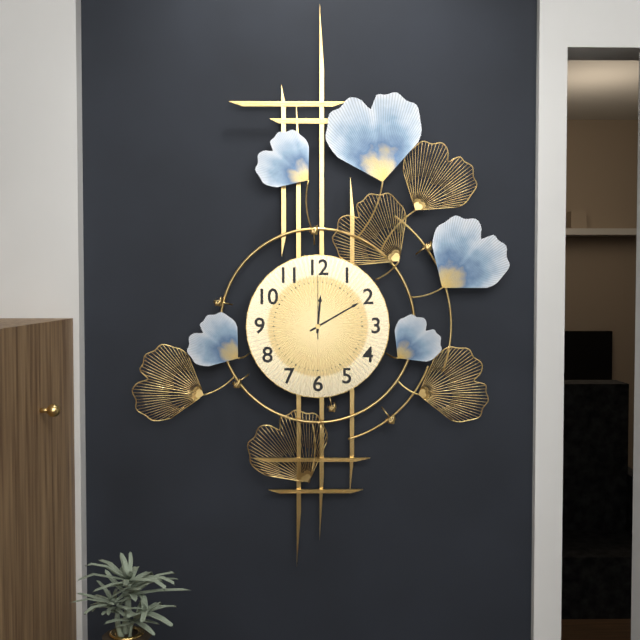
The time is {"hour": 12, "minute": 10, "second": 0}
